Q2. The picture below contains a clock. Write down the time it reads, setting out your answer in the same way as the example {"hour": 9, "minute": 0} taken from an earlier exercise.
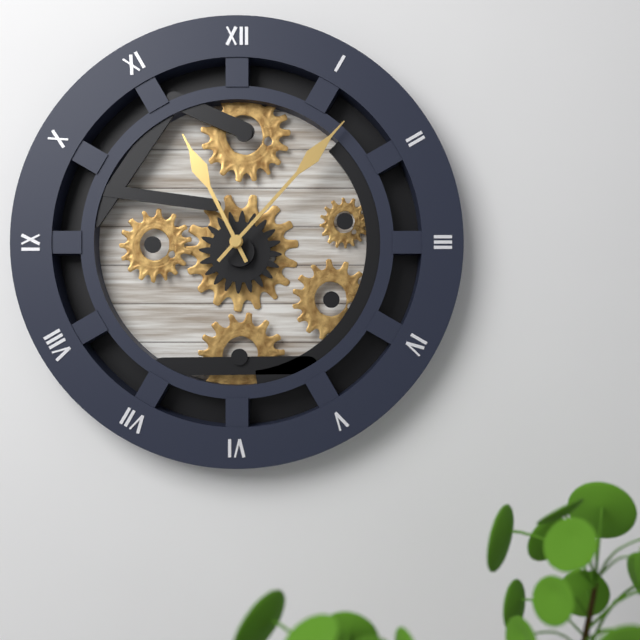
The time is {"hour": 11, "minute": 7}
